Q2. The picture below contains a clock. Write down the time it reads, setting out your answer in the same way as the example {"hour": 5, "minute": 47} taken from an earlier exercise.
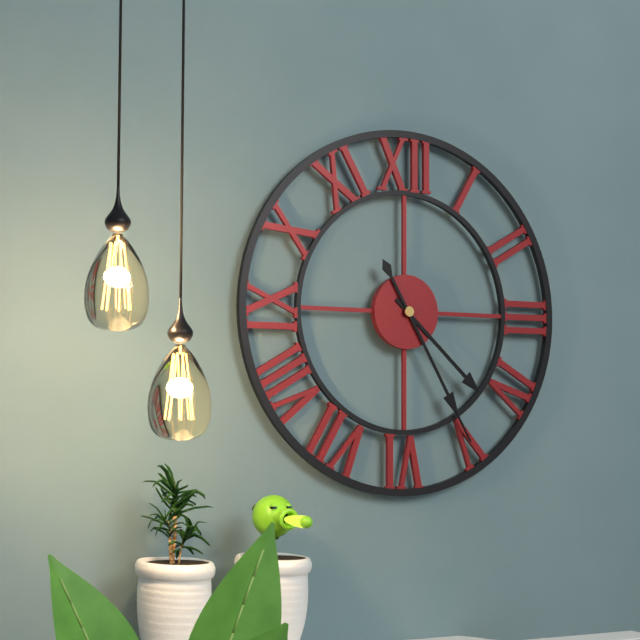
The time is {"hour": 4, "minute": 25}
